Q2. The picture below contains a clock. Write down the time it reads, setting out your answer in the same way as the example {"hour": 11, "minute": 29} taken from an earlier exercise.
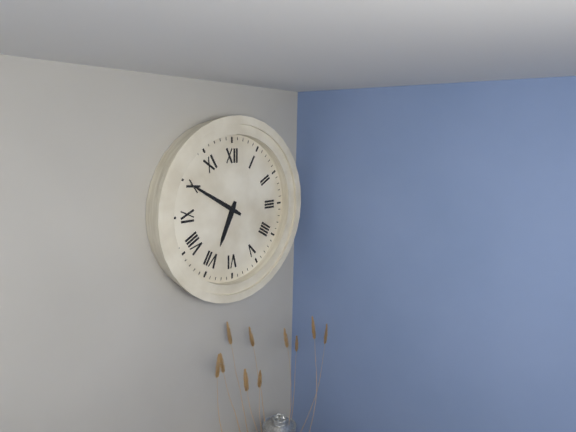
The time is {"hour": 6, "minute": 50}
